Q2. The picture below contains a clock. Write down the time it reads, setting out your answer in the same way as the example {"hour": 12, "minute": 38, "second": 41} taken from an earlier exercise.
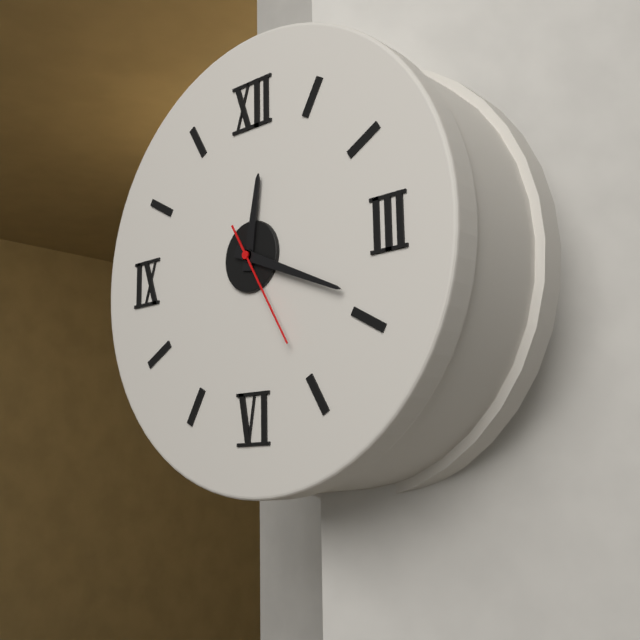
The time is {"hour": 12, "minute": 19, "second": 25}
